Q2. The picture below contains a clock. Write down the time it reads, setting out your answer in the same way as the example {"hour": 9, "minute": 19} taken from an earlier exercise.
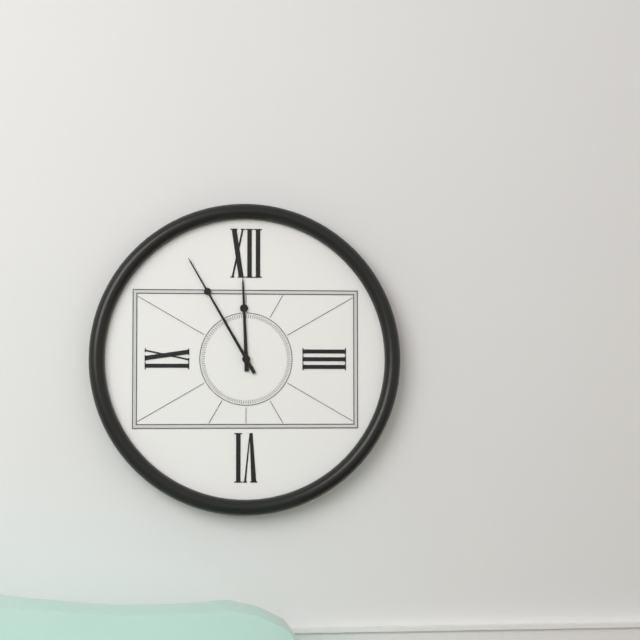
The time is {"hour": 11, "minute": 55}
